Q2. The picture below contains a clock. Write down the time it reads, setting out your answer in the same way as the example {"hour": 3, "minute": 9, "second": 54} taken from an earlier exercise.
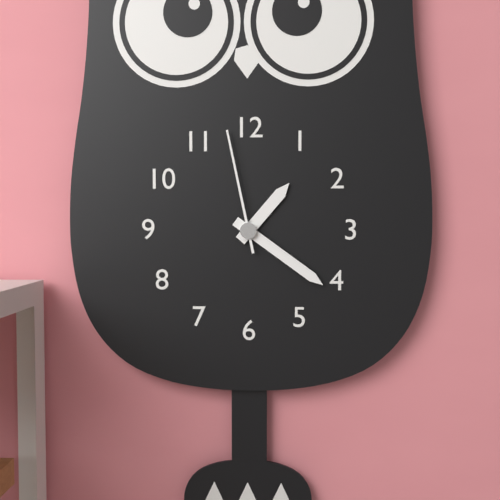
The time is {"hour": 1, "minute": 21, "second": 58}
